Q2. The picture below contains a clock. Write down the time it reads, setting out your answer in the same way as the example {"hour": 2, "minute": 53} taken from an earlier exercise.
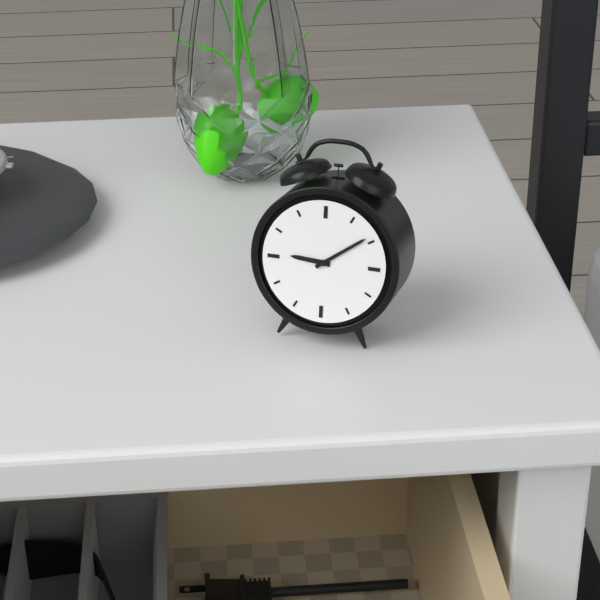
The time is {"hour": 9, "minute": 9}
